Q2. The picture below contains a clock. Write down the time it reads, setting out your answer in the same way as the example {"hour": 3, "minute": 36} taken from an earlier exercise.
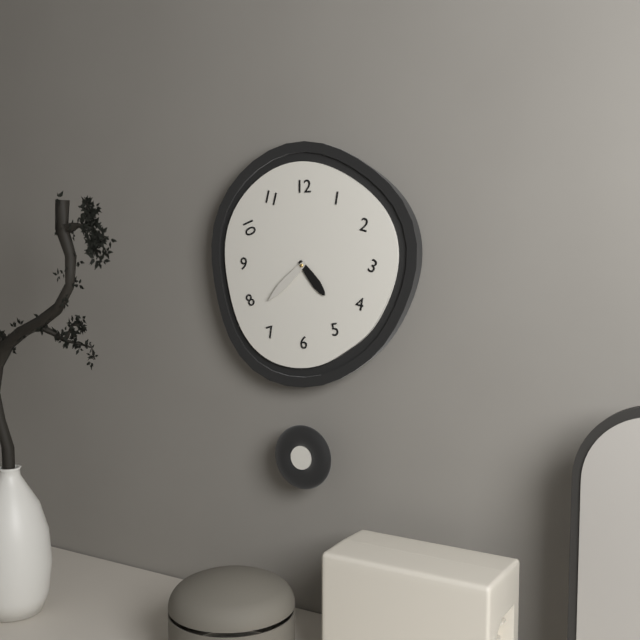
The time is {"hour": 4, "minute": 38}
